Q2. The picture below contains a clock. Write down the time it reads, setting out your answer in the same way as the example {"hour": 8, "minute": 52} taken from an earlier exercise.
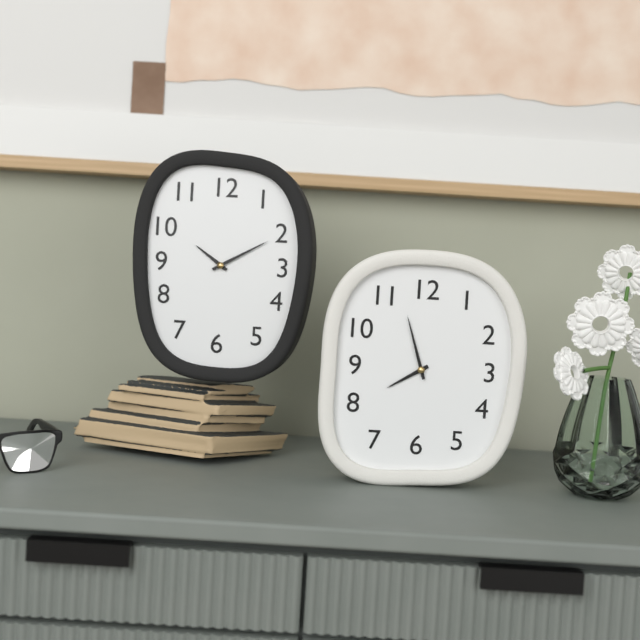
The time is {"hour": 7, "minute": 57}
